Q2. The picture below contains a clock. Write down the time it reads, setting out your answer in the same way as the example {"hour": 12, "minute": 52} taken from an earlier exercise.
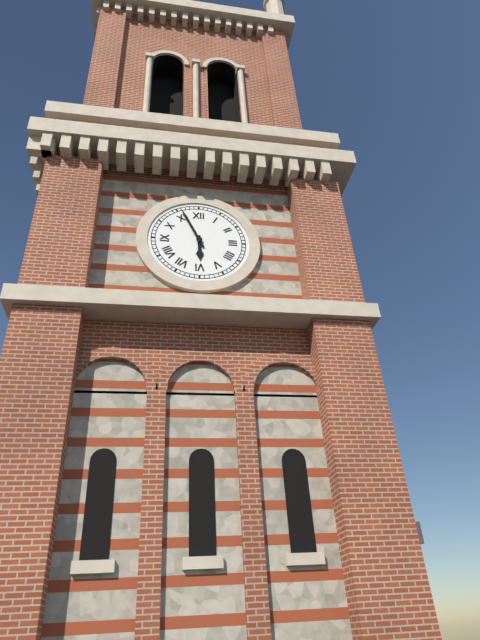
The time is {"hour": 5, "minute": 56}
